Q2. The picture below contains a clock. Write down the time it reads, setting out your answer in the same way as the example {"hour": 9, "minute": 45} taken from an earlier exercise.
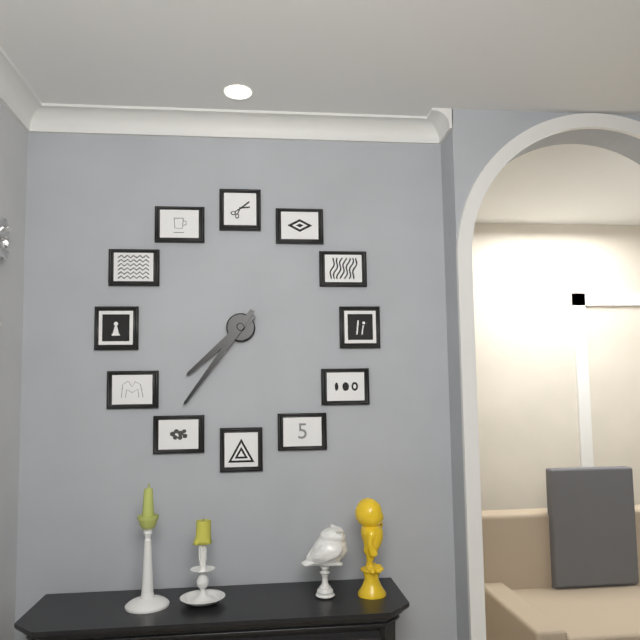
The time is {"hour": 7, "minute": 36}
